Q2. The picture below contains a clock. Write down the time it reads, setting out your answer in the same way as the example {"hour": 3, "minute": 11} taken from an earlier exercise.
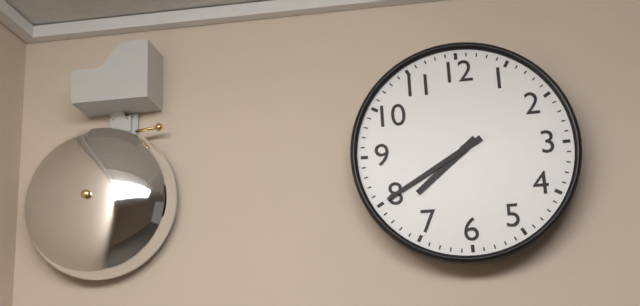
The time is {"hour": 7, "minute": 40}
